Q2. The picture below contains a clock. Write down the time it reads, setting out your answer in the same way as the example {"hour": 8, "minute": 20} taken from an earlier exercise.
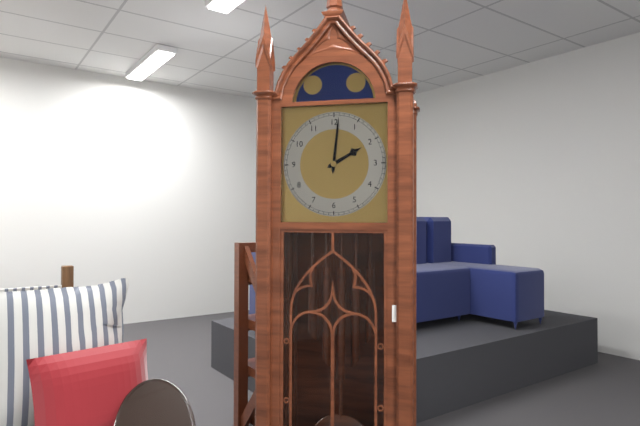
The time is {"hour": 2, "minute": 1}
